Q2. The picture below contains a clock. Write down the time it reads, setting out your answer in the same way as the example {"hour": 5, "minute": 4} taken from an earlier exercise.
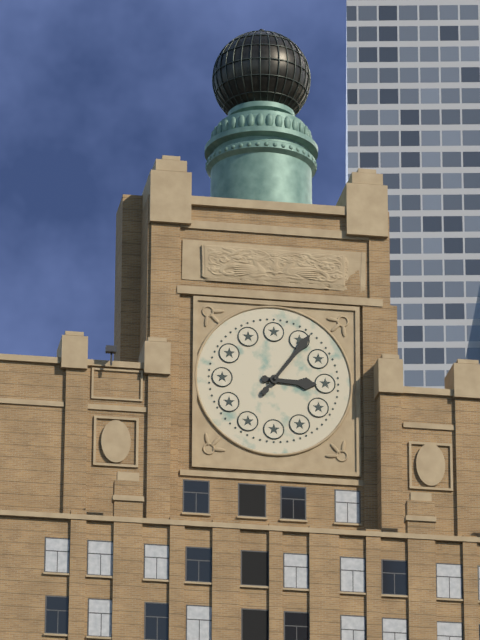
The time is {"hour": 3, "minute": 6}
